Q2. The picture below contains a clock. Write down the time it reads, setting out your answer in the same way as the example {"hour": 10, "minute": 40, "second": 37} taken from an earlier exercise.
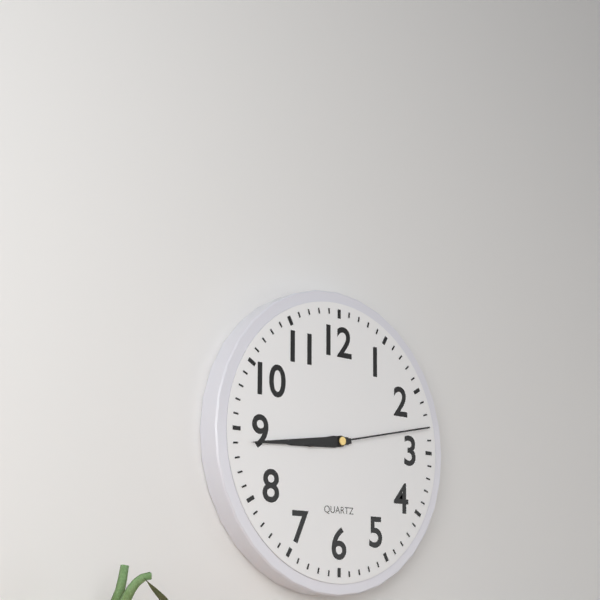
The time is {"hour": 8, "minute": 44, "second": 13}
